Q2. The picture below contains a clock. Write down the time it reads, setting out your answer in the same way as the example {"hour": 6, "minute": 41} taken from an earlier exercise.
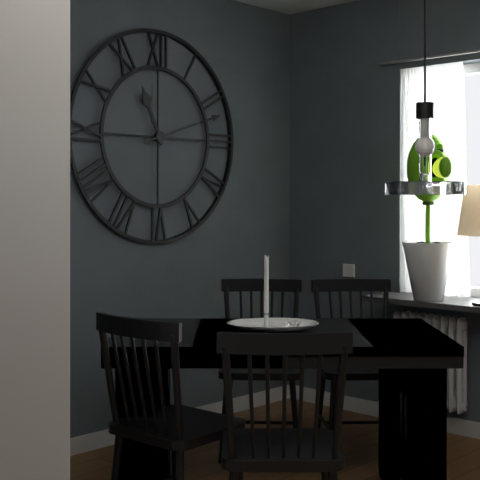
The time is {"hour": 11, "minute": 12}
